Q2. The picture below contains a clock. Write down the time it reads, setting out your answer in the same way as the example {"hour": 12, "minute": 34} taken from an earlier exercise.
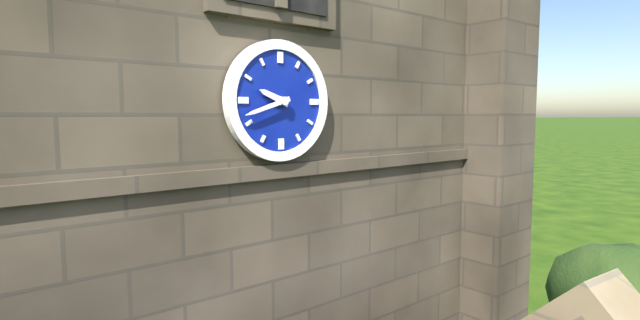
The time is {"hour": 9, "minute": 42}
